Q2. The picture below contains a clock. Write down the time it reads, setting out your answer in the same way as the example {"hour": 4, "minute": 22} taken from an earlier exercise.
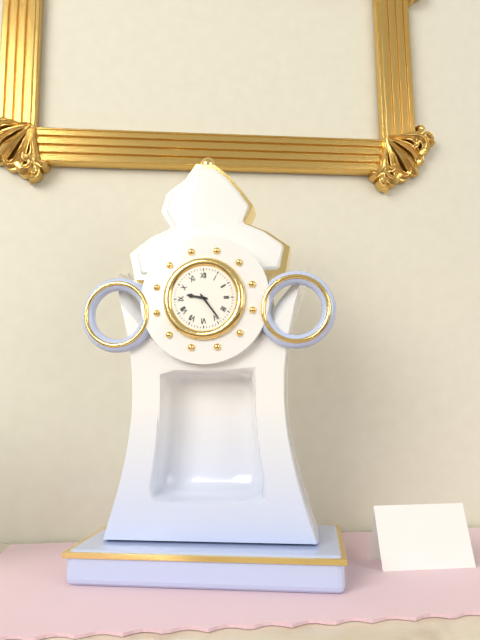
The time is {"hour": 9, "minute": 24}
